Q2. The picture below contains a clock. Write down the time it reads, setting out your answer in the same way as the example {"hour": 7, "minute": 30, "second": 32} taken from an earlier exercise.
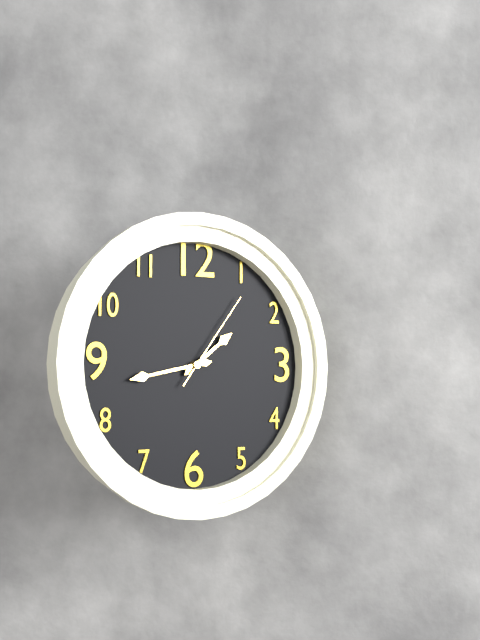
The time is {"hour": 1, "minute": 43, "second": 6}
